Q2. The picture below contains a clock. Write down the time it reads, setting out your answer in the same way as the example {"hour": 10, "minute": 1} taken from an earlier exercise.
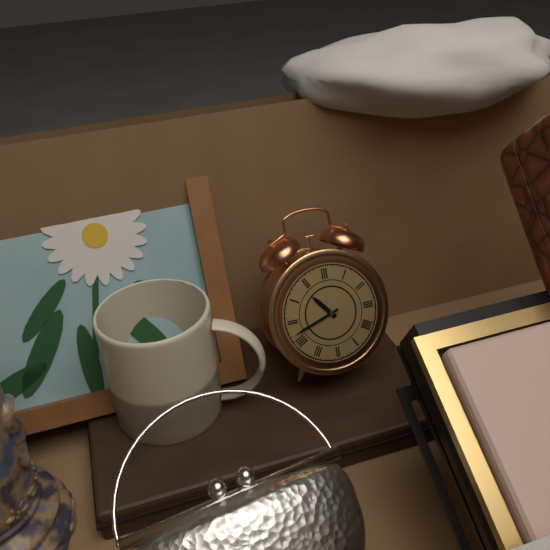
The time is {"hour": 10, "minute": 42}
